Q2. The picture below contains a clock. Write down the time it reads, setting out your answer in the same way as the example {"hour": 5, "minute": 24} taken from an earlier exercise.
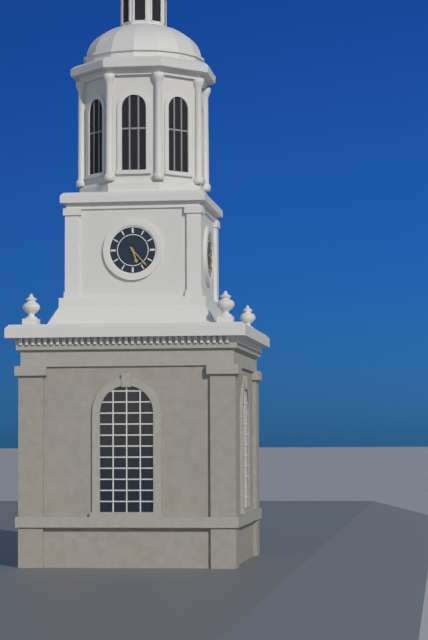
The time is {"hour": 5, "minute": 23}
